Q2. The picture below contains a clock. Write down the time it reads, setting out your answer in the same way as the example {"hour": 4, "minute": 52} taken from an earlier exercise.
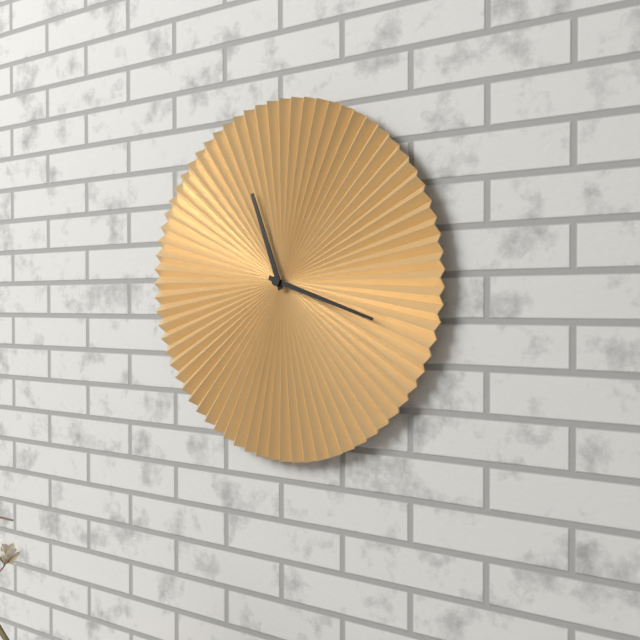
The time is {"hour": 11, "minute": 18}
